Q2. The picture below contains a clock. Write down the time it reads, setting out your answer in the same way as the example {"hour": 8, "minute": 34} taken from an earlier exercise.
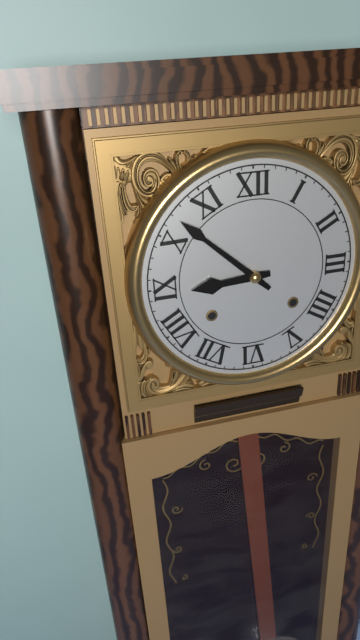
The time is {"hour": 8, "minute": 52}
